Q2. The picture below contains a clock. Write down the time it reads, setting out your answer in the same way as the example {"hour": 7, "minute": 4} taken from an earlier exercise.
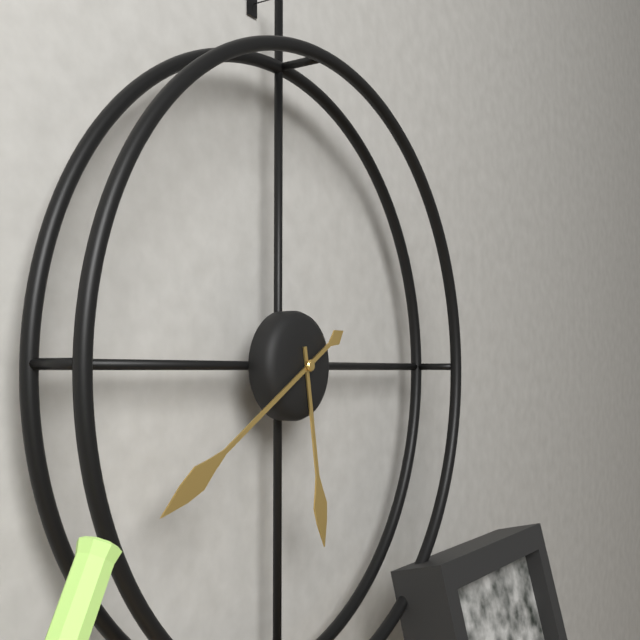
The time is {"hour": 5, "minute": 40}
